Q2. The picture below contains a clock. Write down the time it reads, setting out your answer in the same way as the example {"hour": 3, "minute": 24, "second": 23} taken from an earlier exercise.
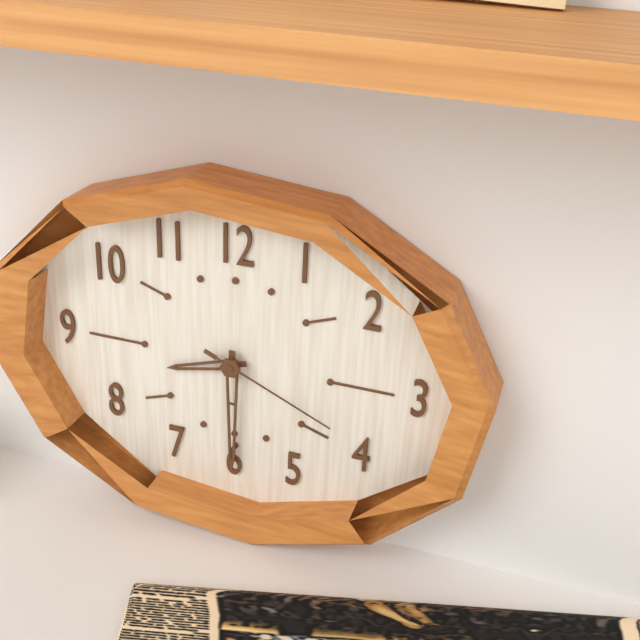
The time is {"hour": 8, "minute": 30, "second": 19}
